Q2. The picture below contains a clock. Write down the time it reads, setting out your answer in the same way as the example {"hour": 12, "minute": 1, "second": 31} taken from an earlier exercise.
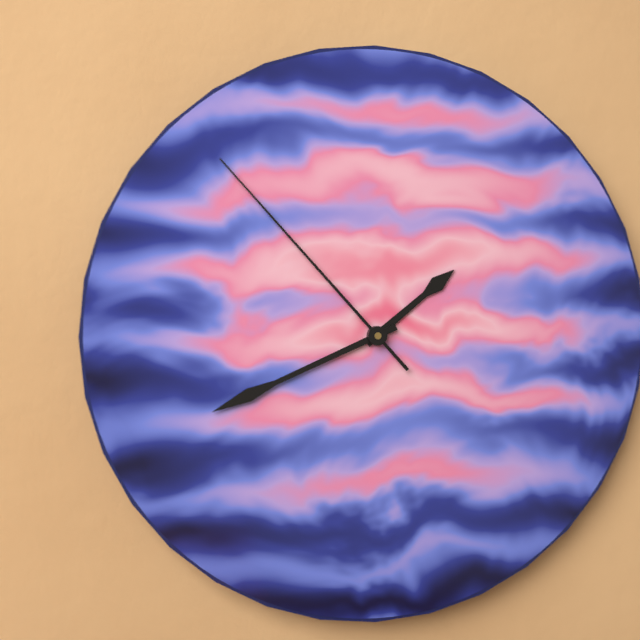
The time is {"hour": 1, "minute": 41, "second": 53}
